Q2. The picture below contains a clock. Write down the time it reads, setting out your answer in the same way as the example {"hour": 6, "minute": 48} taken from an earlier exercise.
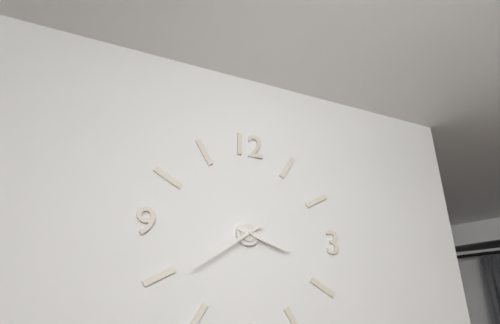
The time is {"hour": 3, "minute": 39}
